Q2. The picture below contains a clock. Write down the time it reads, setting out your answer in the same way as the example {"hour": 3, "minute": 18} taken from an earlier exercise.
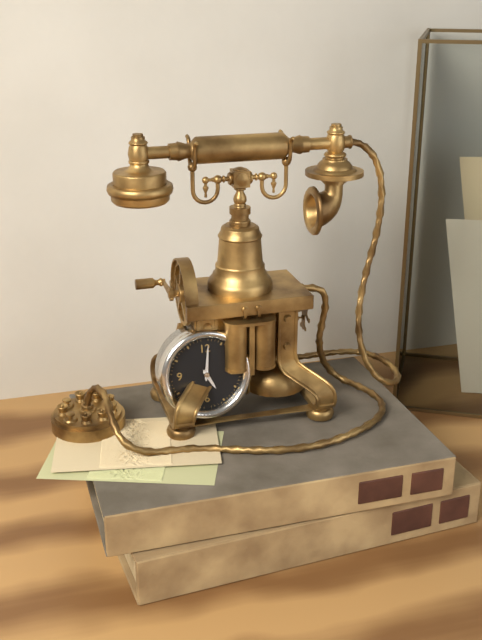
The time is {"hour": 5, "minute": 1}
